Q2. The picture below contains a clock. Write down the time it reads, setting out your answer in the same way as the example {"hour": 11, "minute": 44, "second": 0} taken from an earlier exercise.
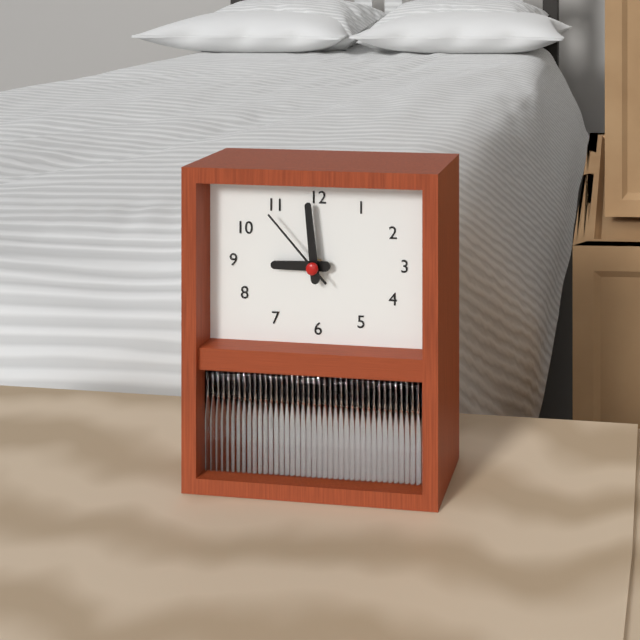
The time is {"hour": 8, "minute": 59, "second": 53}
